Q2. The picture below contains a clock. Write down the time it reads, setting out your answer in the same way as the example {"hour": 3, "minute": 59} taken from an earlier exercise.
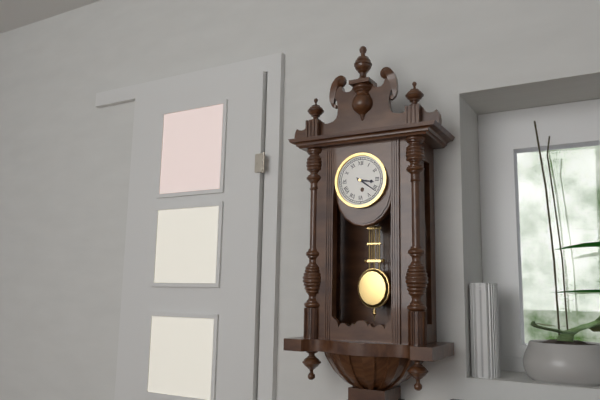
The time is {"hour": 3, "minute": 21}
